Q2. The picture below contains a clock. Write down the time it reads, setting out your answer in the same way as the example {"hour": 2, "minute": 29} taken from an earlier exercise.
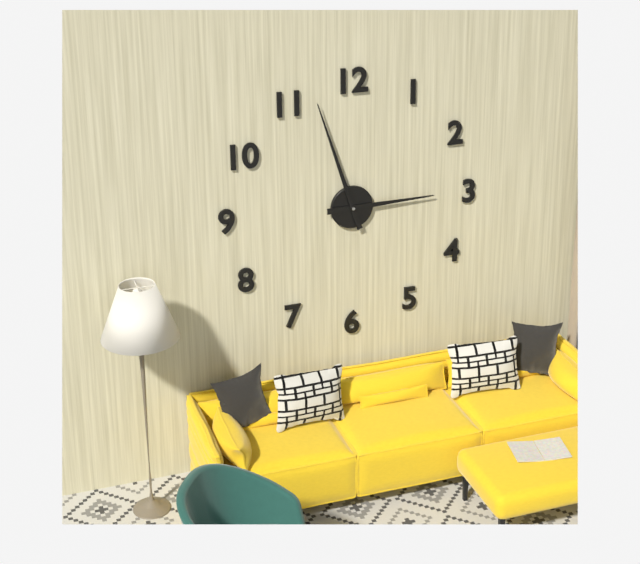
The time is {"hour": 2, "minute": 57}
